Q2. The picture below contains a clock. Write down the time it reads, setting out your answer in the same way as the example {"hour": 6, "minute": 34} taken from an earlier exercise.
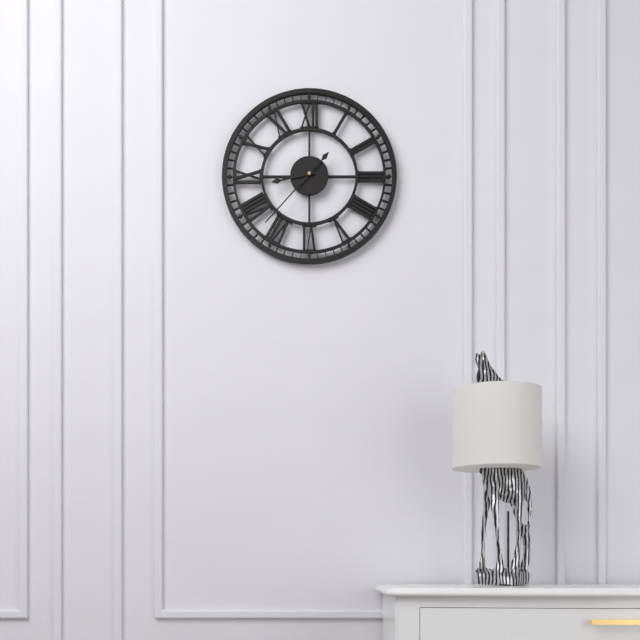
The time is {"hour": 8, "minute": 37}
